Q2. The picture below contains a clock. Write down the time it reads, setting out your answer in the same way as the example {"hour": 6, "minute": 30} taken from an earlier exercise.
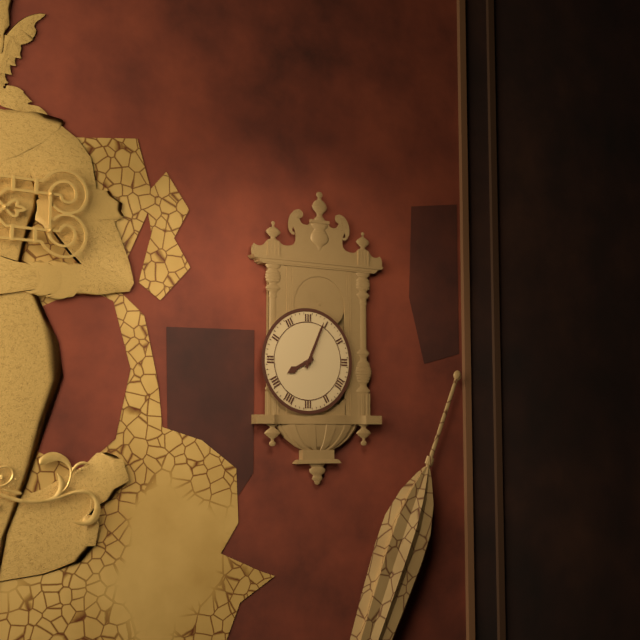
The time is {"hour": 8, "minute": 4}
